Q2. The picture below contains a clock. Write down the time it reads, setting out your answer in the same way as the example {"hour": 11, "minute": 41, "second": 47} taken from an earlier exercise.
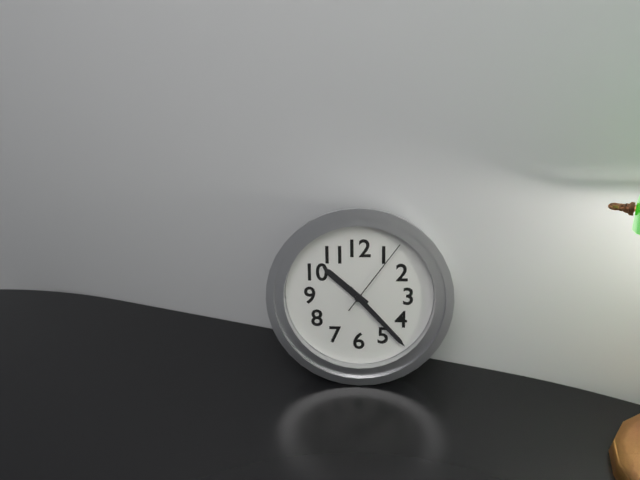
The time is {"hour": 10, "minute": 23, "second": 6}
